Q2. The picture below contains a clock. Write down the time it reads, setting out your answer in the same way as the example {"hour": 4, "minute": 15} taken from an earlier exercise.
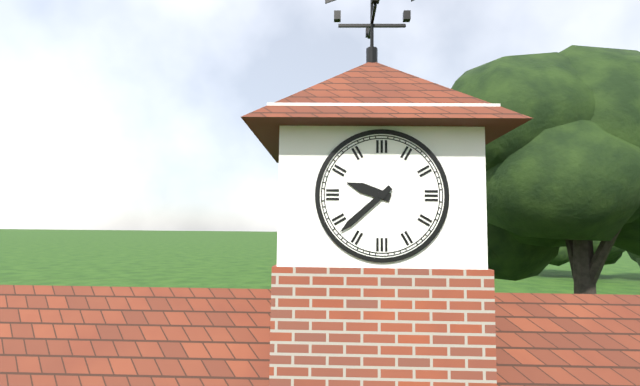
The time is {"hour": 9, "minute": 38}
